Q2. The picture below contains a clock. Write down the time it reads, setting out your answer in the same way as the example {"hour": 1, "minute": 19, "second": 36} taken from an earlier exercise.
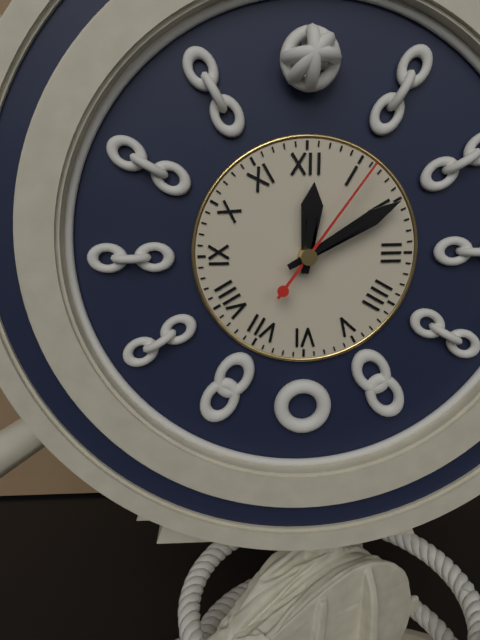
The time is {"hour": 12, "minute": 10, "second": 6}
